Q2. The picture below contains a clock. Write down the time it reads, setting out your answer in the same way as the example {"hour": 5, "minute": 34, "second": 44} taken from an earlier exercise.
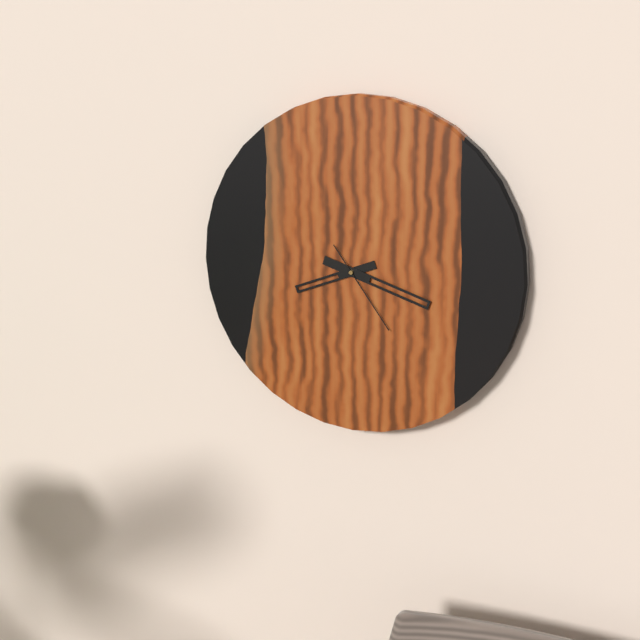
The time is {"hour": 8, "minute": 18, "second": 24}
